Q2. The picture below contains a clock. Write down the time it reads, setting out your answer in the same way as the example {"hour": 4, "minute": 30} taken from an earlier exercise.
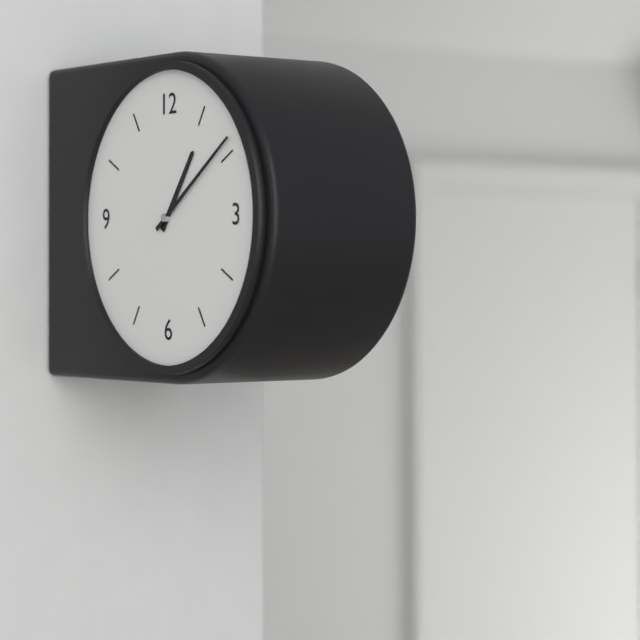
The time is {"hour": 1, "minute": 9}
